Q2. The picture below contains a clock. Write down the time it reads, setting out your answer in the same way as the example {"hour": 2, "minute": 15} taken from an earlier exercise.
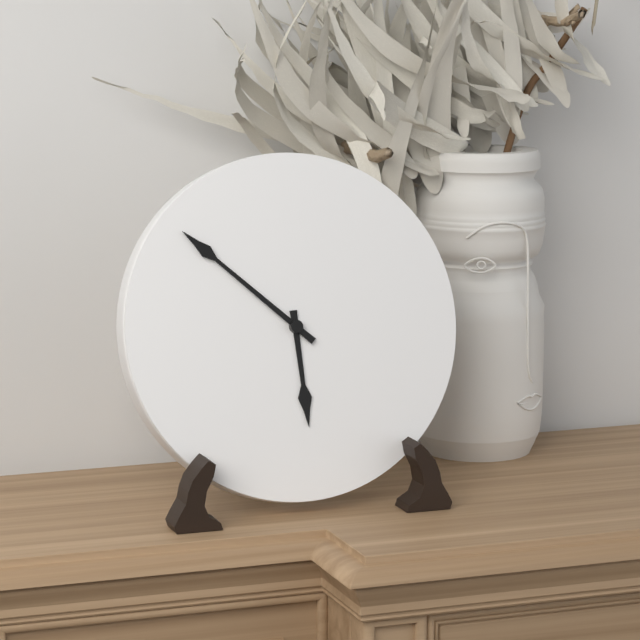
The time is {"hour": 5, "minute": 52}
